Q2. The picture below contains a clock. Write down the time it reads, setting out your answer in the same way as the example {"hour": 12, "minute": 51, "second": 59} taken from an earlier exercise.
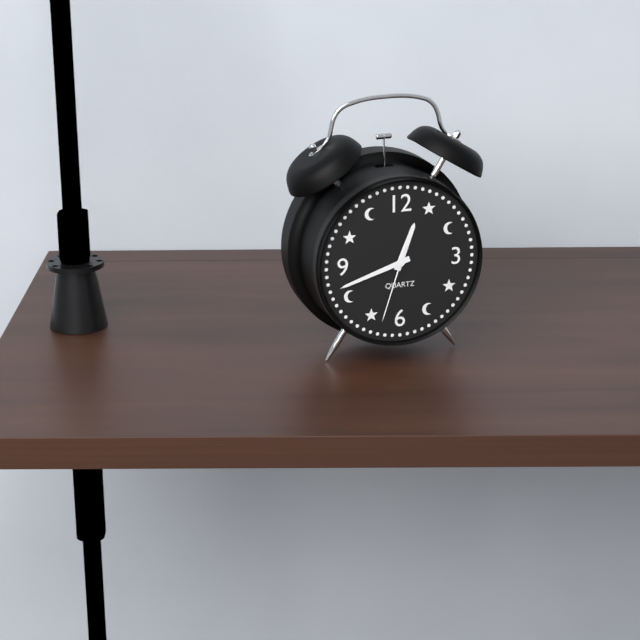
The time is {"hour": 12, "minute": 42, "second": 33}
